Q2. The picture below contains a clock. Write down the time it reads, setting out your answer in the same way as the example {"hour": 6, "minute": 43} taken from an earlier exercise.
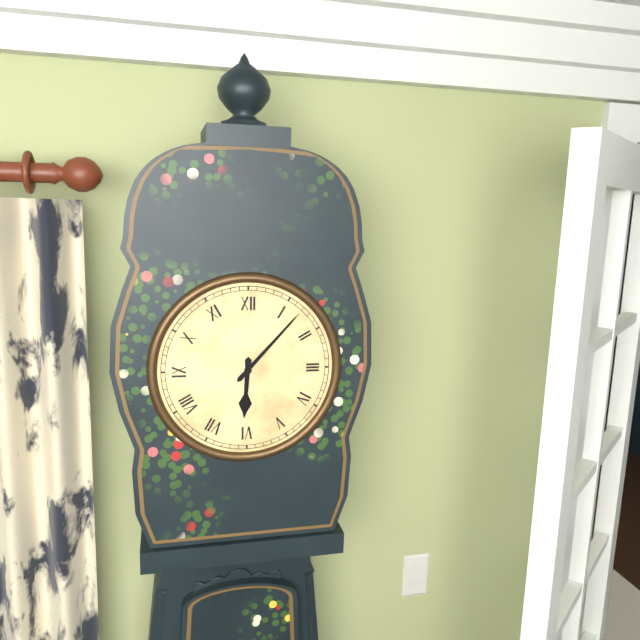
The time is {"hour": 6, "minute": 7}
